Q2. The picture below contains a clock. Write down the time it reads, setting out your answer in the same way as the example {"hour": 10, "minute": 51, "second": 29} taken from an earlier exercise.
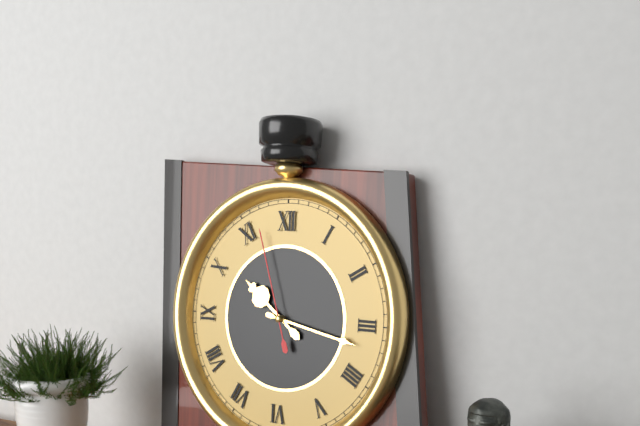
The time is {"hour": 10, "minute": 17, "second": 57}
